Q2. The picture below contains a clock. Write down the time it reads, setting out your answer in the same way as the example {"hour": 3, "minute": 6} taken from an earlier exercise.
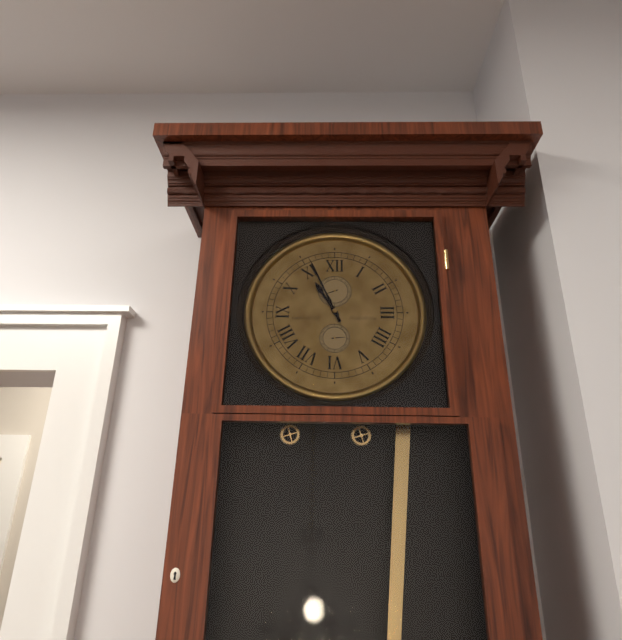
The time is {"hour": 10, "minute": 56}
